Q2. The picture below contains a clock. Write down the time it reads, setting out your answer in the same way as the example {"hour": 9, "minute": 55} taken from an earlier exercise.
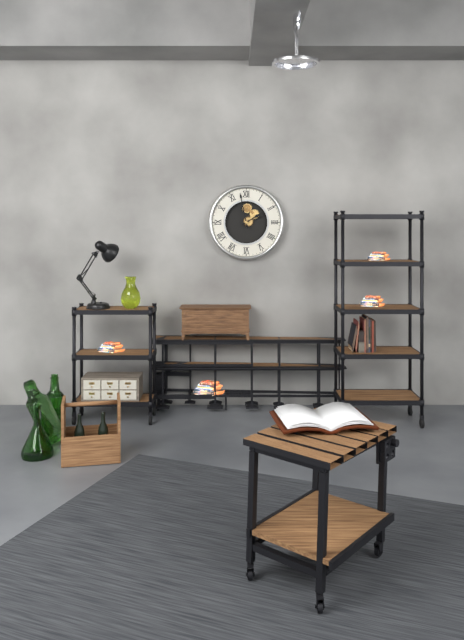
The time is {"hour": 1, "minute": 58}
